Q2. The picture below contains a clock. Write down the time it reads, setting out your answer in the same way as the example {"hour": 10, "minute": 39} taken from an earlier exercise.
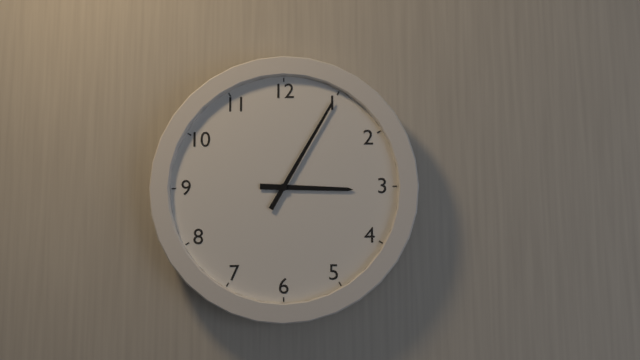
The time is {"hour": 3, "minute": 5}
